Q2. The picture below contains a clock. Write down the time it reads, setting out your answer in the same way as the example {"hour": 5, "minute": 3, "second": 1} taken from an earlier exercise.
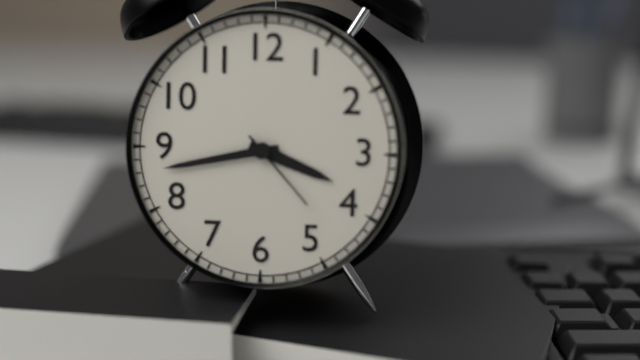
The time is {"hour": 3, "minute": 43, "second": 23}
